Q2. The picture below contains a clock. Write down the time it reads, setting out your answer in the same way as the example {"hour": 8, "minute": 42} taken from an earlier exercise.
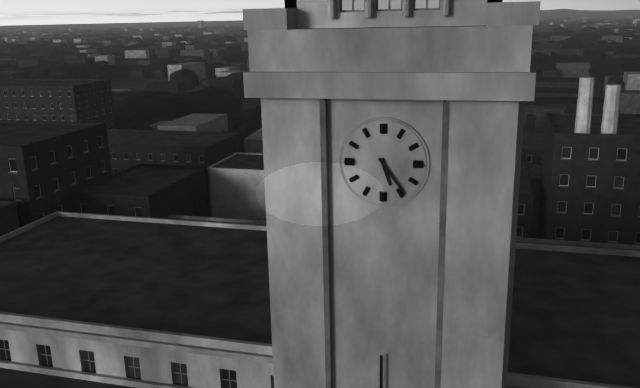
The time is {"hour": 5, "minute": 24}
